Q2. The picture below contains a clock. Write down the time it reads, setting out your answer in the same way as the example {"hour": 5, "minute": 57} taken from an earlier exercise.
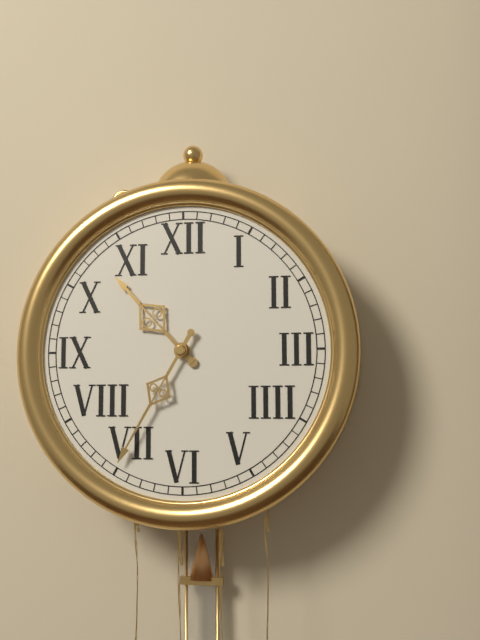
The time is {"hour": 10, "minute": 35}
